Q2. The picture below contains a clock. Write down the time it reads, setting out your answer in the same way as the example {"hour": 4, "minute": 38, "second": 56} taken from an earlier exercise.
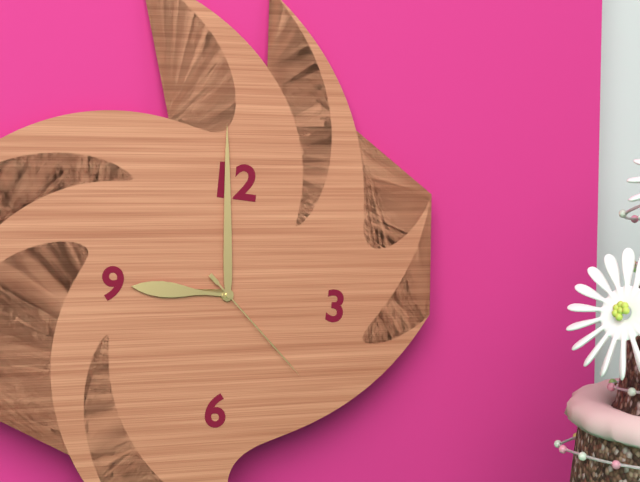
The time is {"hour": 8, "minute": 59, "second": 22}
